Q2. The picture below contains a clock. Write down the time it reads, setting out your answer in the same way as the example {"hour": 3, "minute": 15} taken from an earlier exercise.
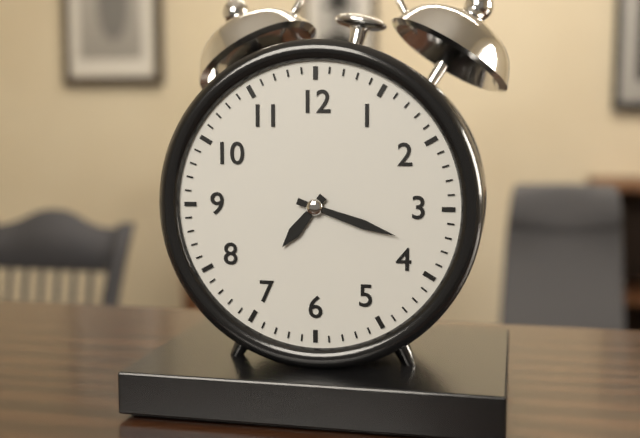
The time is {"hour": 7, "minute": 18}
